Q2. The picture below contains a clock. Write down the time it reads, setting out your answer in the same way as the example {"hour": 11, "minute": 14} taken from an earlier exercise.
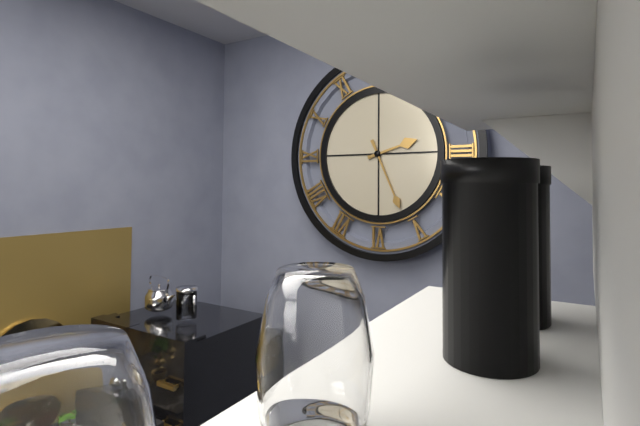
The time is {"hour": 2, "minute": 26}
